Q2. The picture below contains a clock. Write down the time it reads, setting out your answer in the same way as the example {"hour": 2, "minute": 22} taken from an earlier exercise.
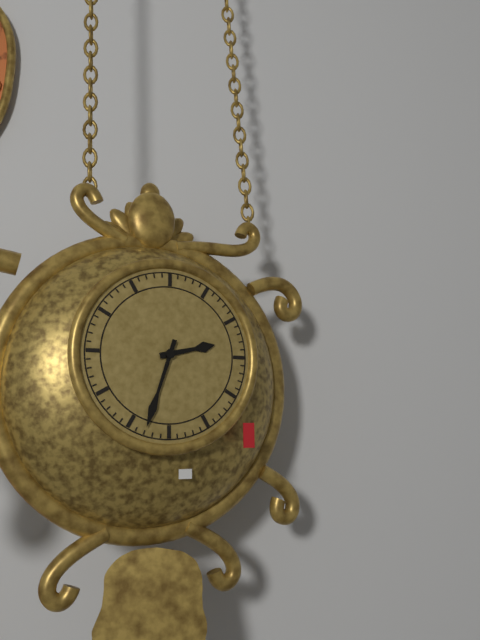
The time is {"hour": 2, "minute": 33}
